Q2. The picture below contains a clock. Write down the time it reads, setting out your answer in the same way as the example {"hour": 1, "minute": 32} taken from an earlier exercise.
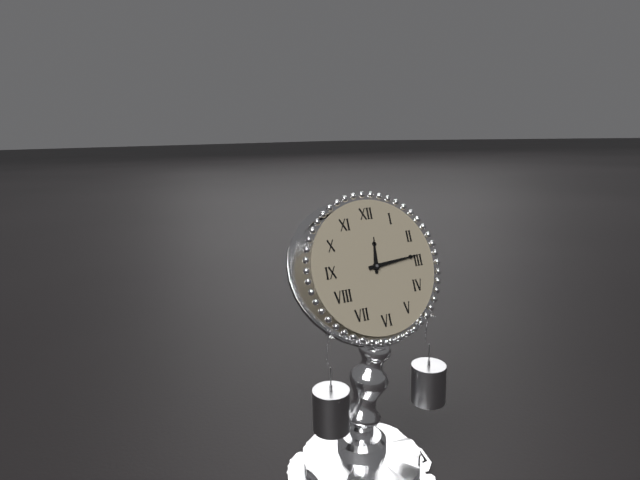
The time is {"hour": 12, "minute": 14}
